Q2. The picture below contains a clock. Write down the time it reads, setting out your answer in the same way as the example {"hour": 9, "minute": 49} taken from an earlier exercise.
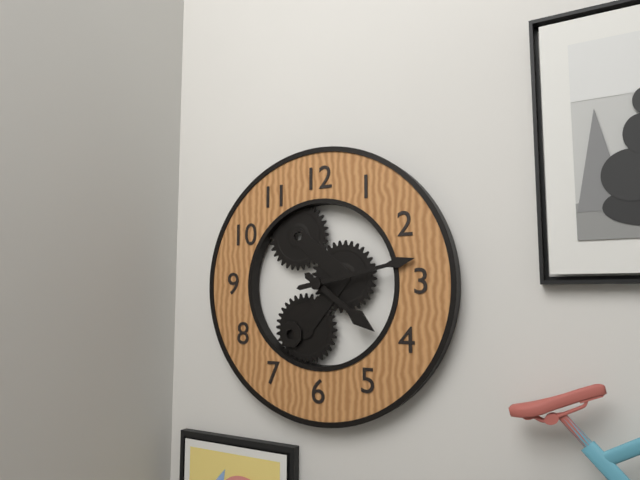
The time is {"hour": 4, "minute": 13}
